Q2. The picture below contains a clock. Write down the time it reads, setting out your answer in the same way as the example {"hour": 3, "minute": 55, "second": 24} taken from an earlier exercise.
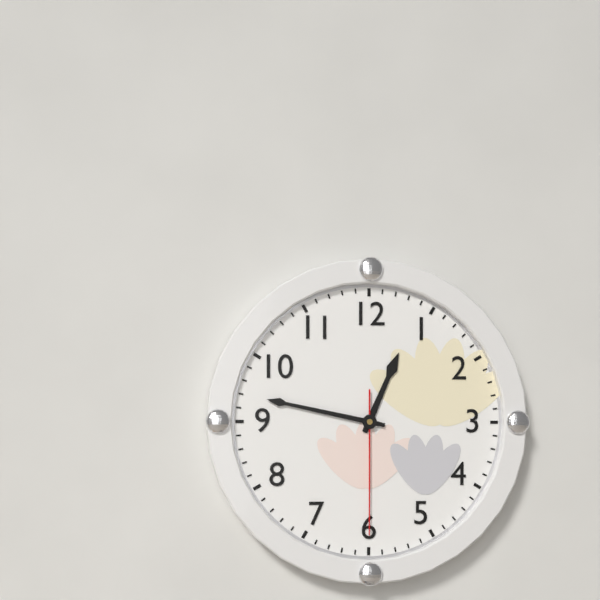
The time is {"hour": 12, "minute": 47, "second": 30}
